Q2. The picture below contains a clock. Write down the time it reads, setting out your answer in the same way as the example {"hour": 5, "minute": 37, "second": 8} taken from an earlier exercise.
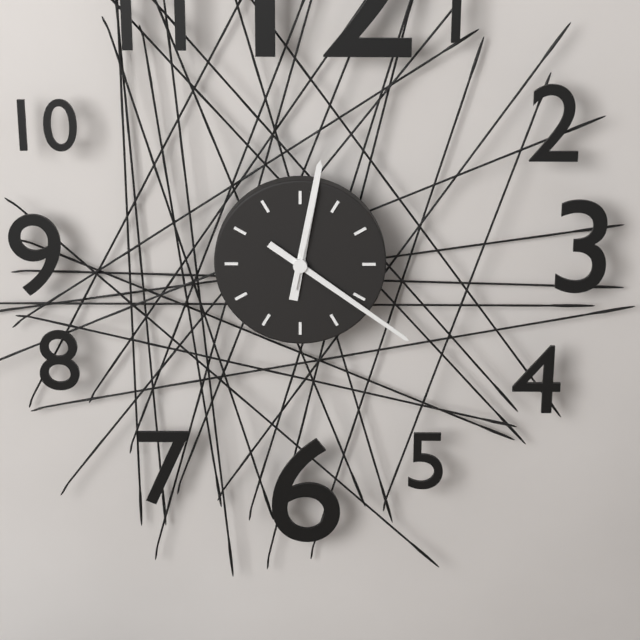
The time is {"hour": 12, "minute": 21, "second": 2}
